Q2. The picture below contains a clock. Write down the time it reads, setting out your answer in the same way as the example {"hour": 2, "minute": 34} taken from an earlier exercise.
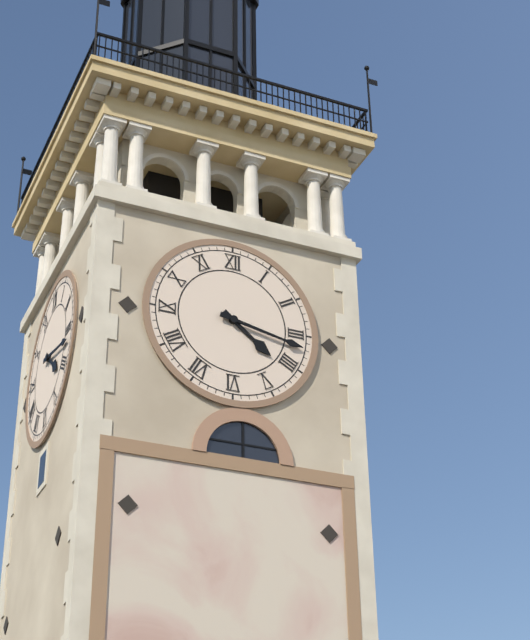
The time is {"hour": 4, "minute": 17}
